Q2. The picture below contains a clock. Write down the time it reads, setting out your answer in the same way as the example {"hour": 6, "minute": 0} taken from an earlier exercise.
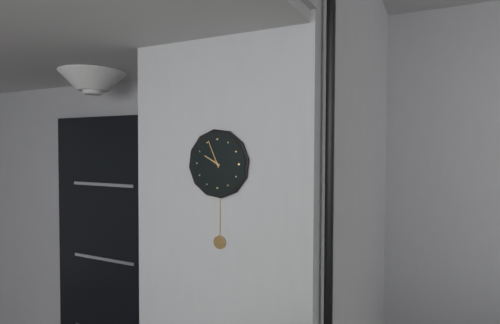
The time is {"hour": 9, "minute": 56}
